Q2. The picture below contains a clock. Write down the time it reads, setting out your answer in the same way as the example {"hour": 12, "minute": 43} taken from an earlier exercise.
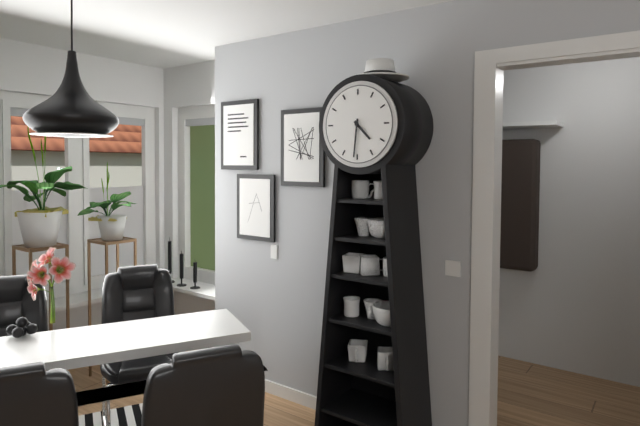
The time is {"hour": 4, "minute": 31}
